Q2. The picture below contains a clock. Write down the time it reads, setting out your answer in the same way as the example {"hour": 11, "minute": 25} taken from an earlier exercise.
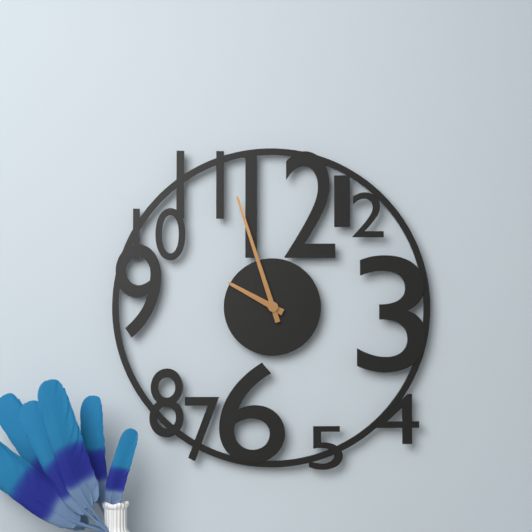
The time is {"hour": 9, "minute": 57}
